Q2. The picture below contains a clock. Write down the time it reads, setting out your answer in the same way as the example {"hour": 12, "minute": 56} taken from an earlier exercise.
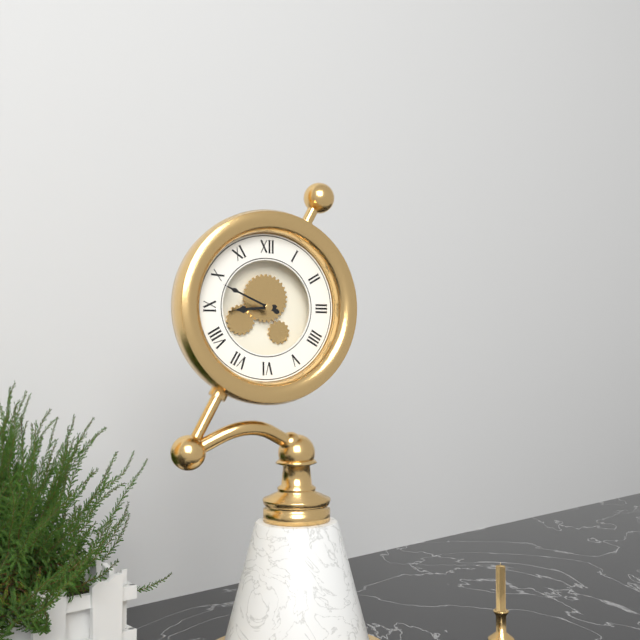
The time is {"hour": 8, "minute": 49}
